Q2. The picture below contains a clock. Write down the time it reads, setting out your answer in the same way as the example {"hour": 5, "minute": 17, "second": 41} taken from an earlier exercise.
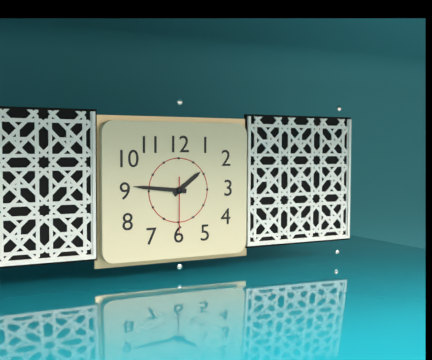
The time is {"hour": 1, "minute": 46, "second": 30}
